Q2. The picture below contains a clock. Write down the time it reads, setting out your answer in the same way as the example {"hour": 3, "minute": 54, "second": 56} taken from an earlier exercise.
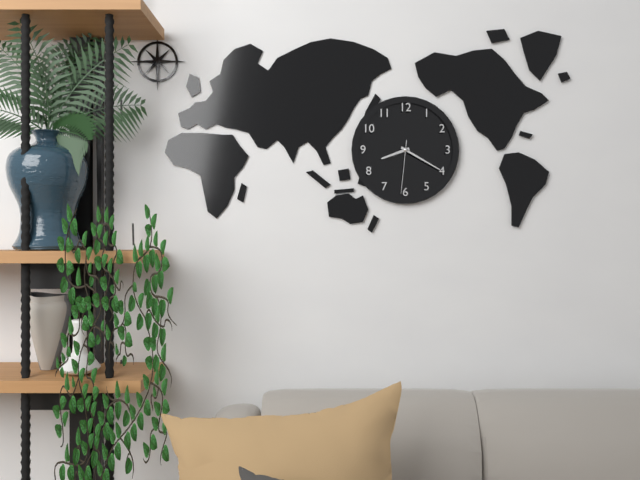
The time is {"hour": 8, "minute": 20, "second": 31}
